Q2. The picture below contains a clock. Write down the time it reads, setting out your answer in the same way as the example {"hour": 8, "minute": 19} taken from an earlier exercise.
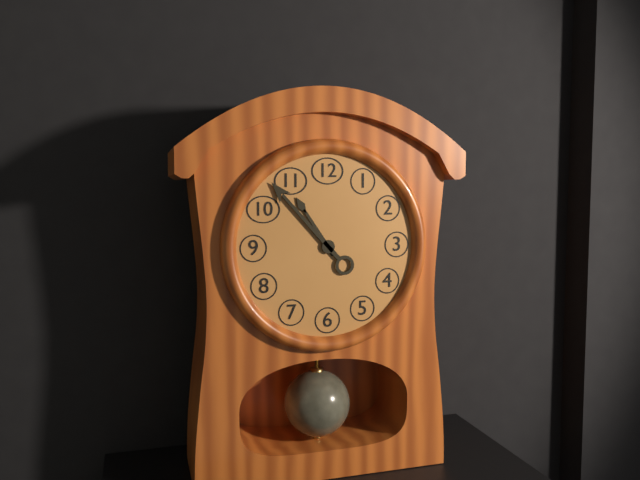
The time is {"hour": 10, "minute": 53}
